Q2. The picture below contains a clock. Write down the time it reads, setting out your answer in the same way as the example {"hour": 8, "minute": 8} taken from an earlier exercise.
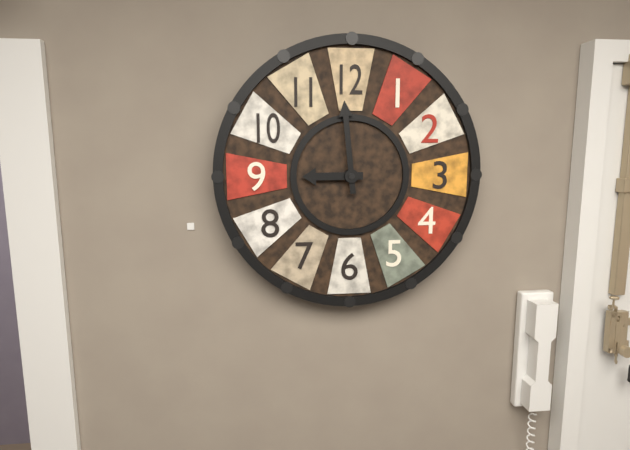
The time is {"hour": 8, "minute": 59}
